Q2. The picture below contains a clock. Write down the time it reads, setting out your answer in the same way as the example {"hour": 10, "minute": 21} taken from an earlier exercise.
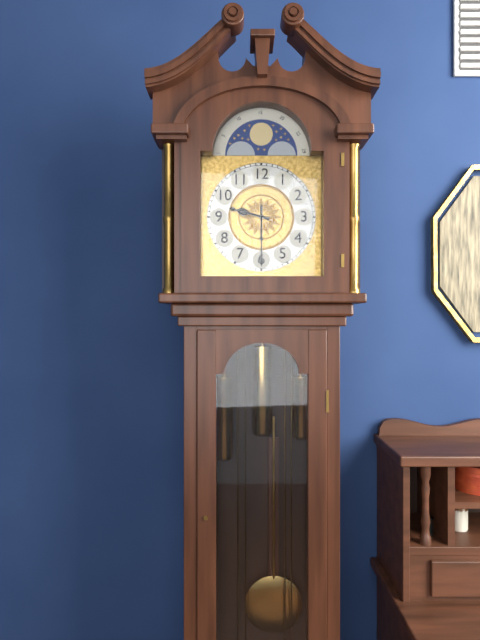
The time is {"hour": 9, "minute": 30}
